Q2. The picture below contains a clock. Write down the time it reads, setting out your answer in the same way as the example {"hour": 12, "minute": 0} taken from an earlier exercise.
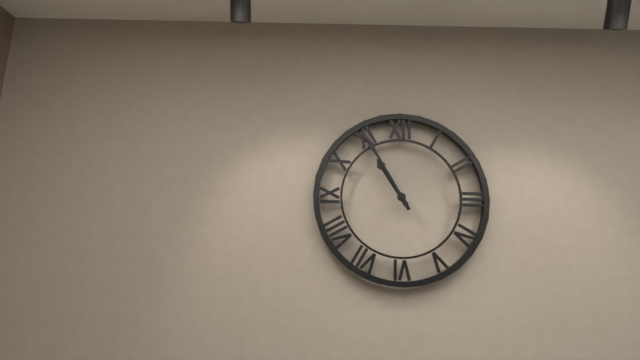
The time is {"hour": 10, "minute": 55}
